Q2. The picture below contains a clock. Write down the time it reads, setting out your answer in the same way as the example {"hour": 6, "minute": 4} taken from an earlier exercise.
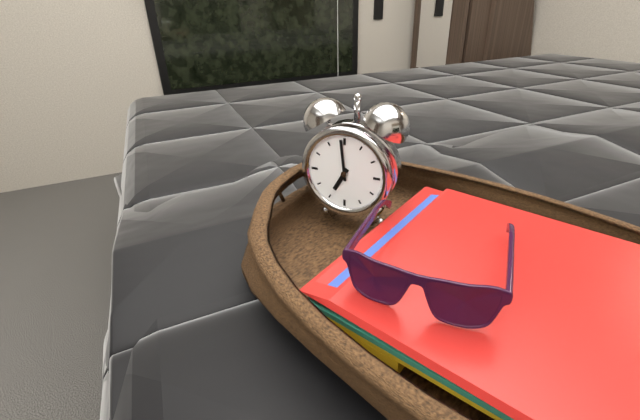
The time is {"hour": 6, "minute": 59}
